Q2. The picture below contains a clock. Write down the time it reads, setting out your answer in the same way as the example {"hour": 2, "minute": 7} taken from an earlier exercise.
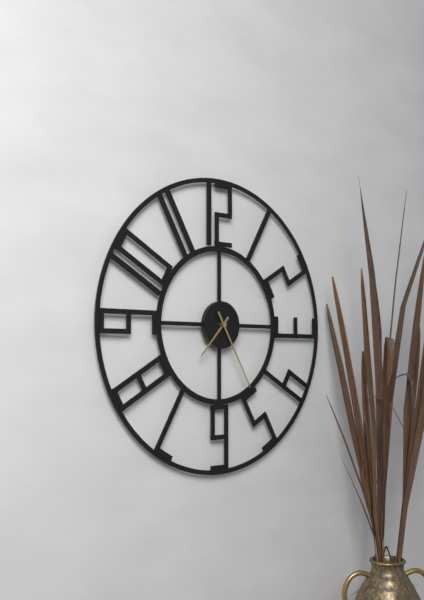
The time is {"hour": 7, "minute": 25}
